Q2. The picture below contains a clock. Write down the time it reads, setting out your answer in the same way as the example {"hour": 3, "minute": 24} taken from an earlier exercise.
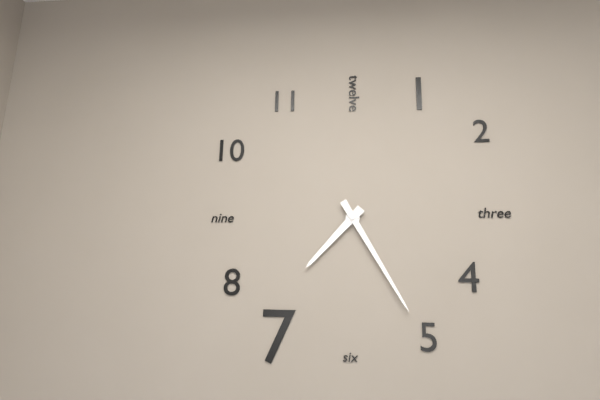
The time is {"hour": 7, "minute": 25}
